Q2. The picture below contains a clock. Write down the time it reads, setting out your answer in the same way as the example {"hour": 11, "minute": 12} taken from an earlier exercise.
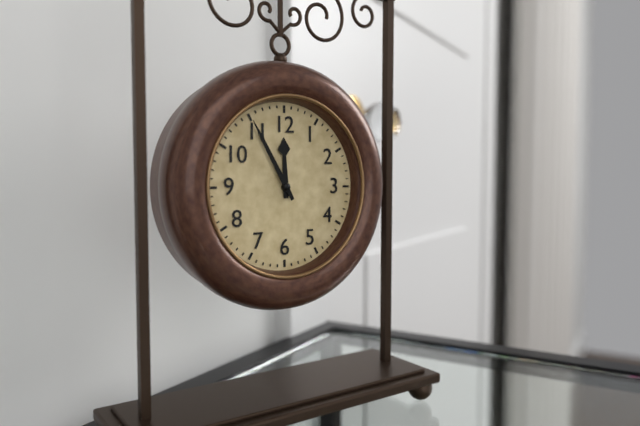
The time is {"hour": 11, "minute": 55}
